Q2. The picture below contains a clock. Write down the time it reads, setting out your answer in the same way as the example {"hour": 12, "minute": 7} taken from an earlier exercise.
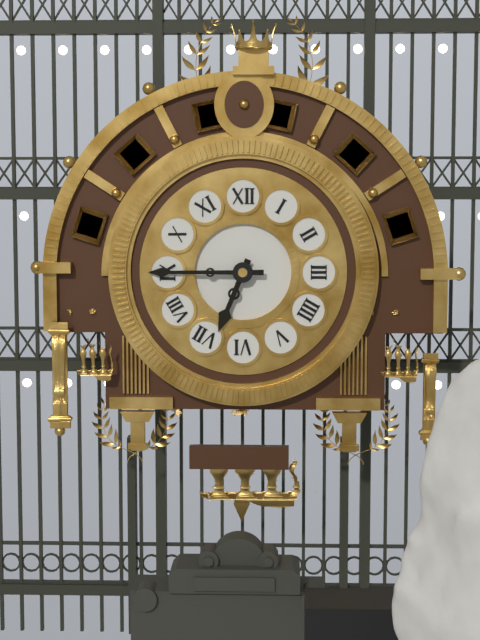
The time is {"hour": 6, "minute": 45}
